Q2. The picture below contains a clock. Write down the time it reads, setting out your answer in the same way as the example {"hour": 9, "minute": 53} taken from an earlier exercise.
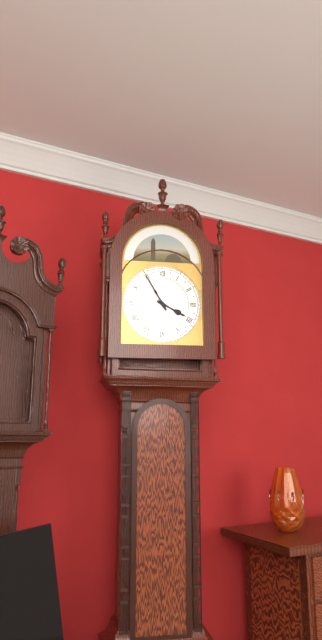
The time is {"hour": 3, "minute": 55}
